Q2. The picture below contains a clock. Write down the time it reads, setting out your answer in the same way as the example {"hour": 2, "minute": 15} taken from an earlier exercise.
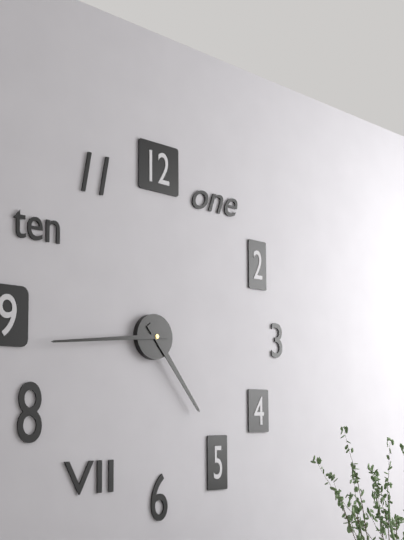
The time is {"hour": 4, "minute": 44}
